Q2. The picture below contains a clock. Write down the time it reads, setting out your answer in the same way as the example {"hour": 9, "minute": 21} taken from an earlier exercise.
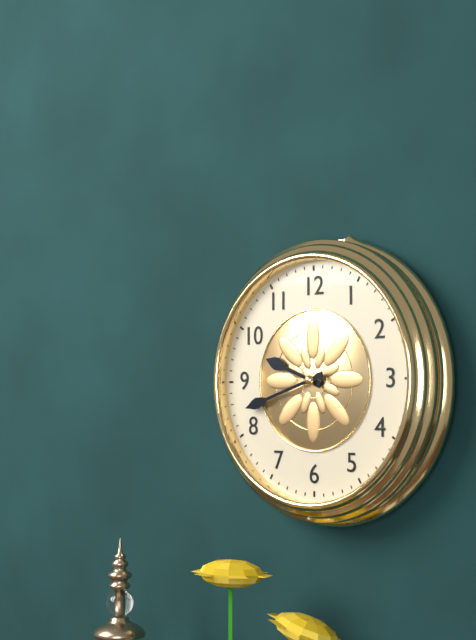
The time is {"hour": 9, "minute": 42}
